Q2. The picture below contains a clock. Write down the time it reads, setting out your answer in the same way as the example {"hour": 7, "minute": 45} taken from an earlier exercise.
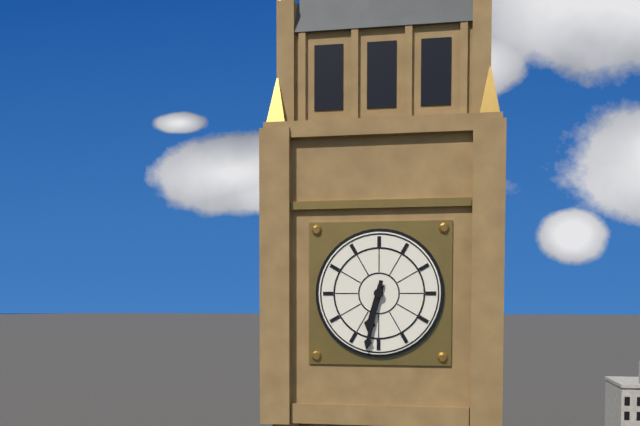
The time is {"hour": 6, "minute": 32}
